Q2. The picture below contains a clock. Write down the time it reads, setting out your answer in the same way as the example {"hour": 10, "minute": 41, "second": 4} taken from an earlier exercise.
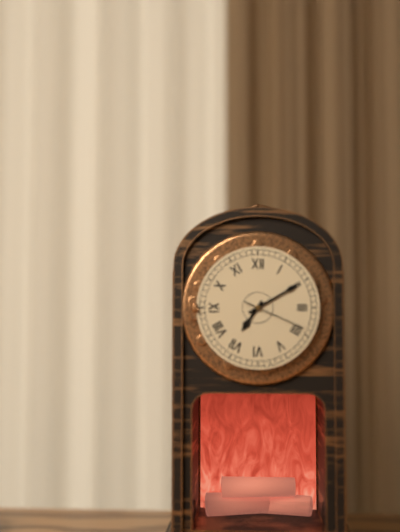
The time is {"hour": 7, "minute": 10, "second": 19}
